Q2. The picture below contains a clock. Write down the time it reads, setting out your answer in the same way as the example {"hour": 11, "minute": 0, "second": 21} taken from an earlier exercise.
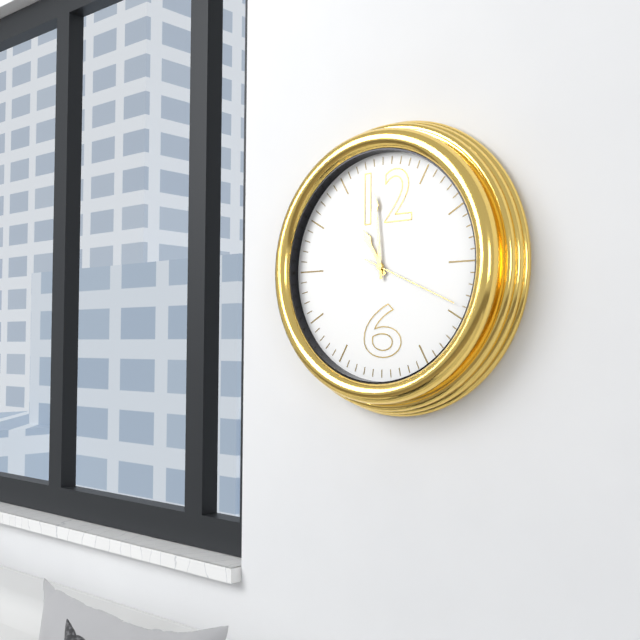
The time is {"hour": 10, "minute": 59, "second": 19}
